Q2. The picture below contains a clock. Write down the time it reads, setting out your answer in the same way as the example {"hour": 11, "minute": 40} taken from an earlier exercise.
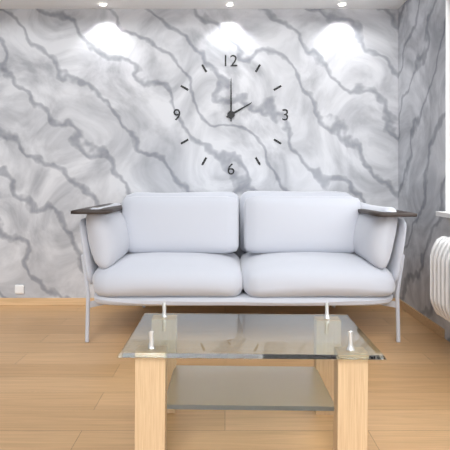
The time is {"hour": 2, "minute": 0}
